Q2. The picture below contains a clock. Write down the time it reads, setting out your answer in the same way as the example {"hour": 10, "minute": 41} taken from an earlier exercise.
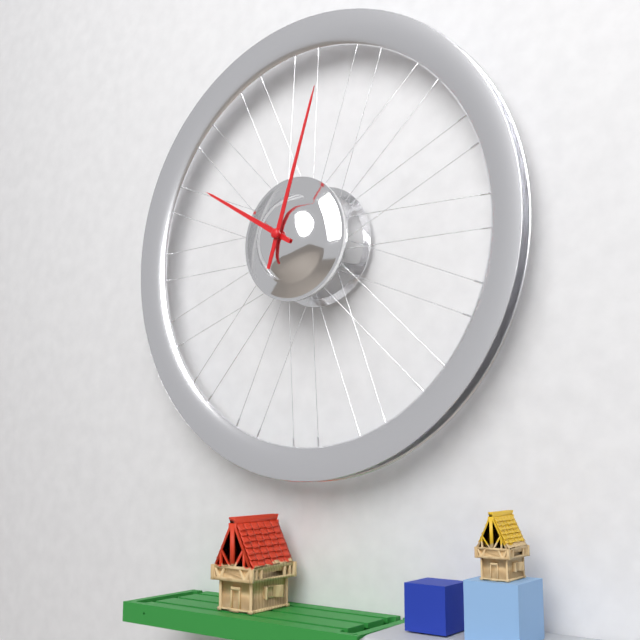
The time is {"hour": 10, "minute": 3}
